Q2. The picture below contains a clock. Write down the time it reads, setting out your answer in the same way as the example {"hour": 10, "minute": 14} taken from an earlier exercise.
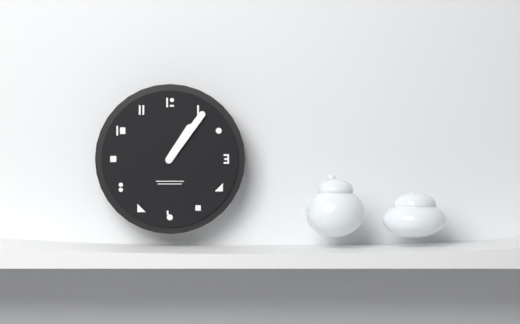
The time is {"hour": 1, "minute": 6}
